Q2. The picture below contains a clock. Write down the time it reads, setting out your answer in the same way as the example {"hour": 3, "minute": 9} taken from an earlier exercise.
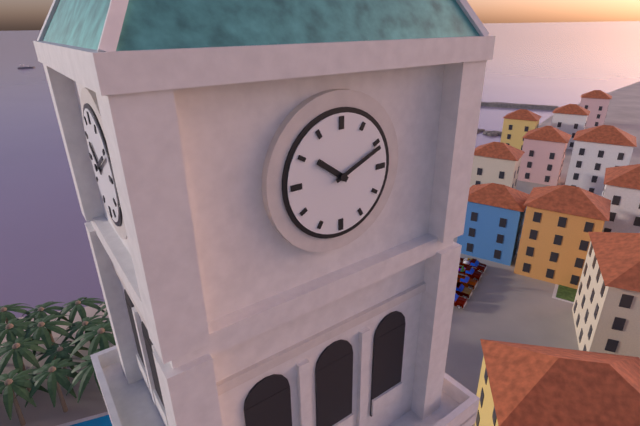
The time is {"hour": 10, "minute": 11}
